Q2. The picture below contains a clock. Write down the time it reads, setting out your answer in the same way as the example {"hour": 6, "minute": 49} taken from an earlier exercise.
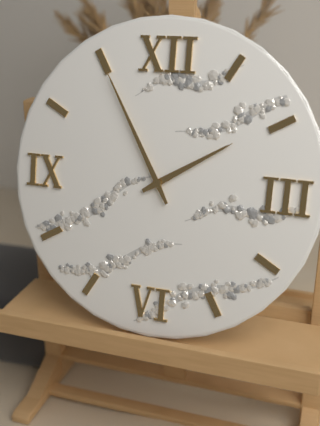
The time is {"hour": 1, "minute": 55}
